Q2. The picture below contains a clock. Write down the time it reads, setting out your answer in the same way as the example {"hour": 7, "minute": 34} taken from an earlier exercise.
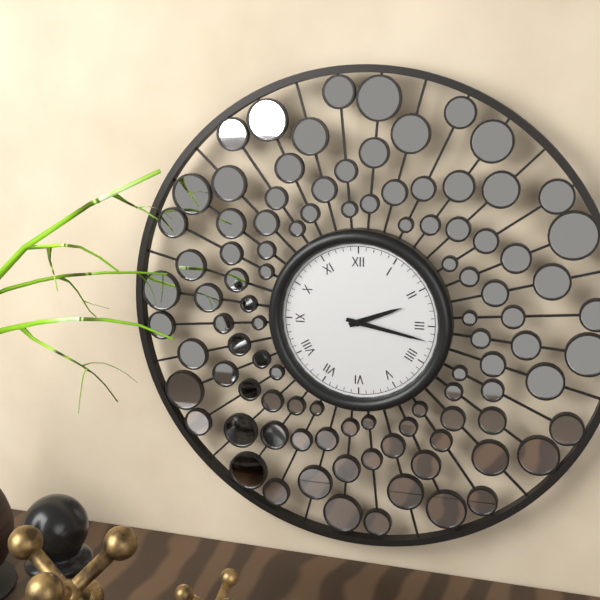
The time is {"hour": 2, "minute": 17}
